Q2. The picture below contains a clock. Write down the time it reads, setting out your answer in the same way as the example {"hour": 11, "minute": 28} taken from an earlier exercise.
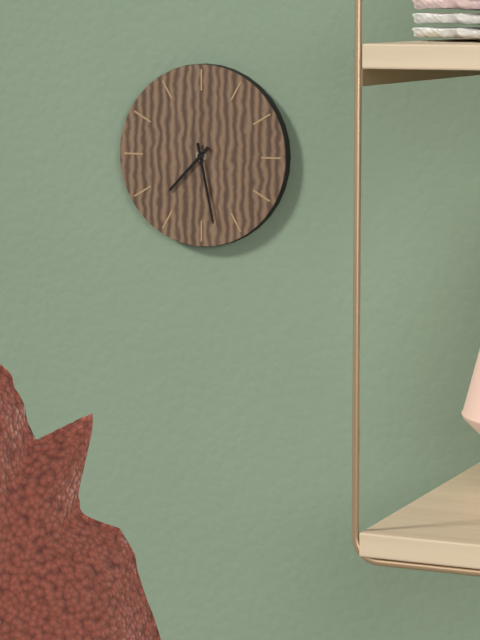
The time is {"hour": 7, "minute": 28}
